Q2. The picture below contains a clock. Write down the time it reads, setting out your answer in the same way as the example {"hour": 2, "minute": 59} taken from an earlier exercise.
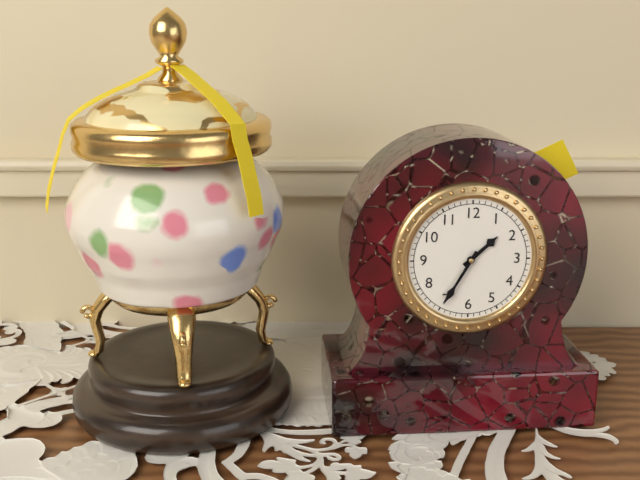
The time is {"hour": 1, "minute": 35}
